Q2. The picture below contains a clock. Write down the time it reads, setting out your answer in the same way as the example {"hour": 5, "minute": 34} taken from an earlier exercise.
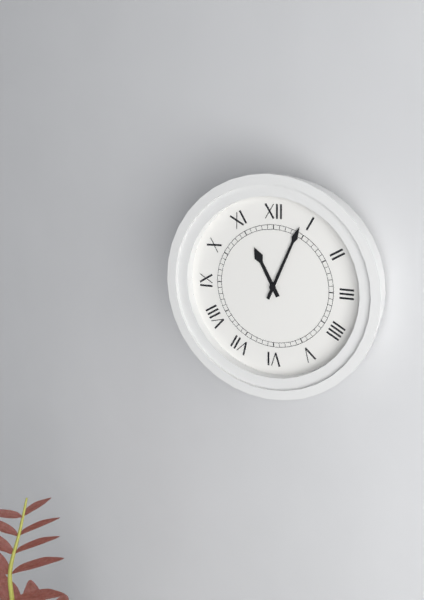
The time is {"hour": 11, "minute": 4}
